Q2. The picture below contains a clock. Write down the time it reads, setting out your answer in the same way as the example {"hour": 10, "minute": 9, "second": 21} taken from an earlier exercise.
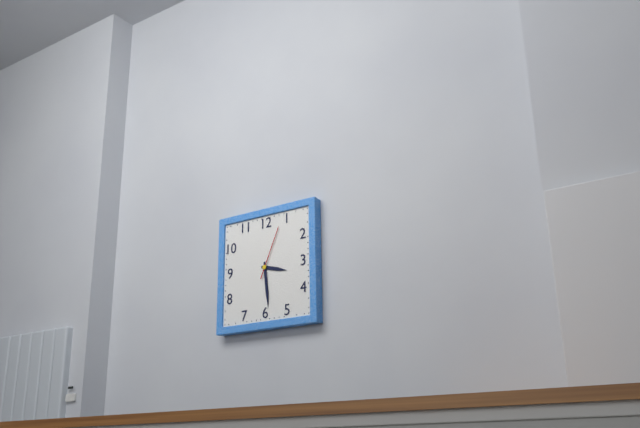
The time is {"hour": 3, "minute": 29, "second": 4}
